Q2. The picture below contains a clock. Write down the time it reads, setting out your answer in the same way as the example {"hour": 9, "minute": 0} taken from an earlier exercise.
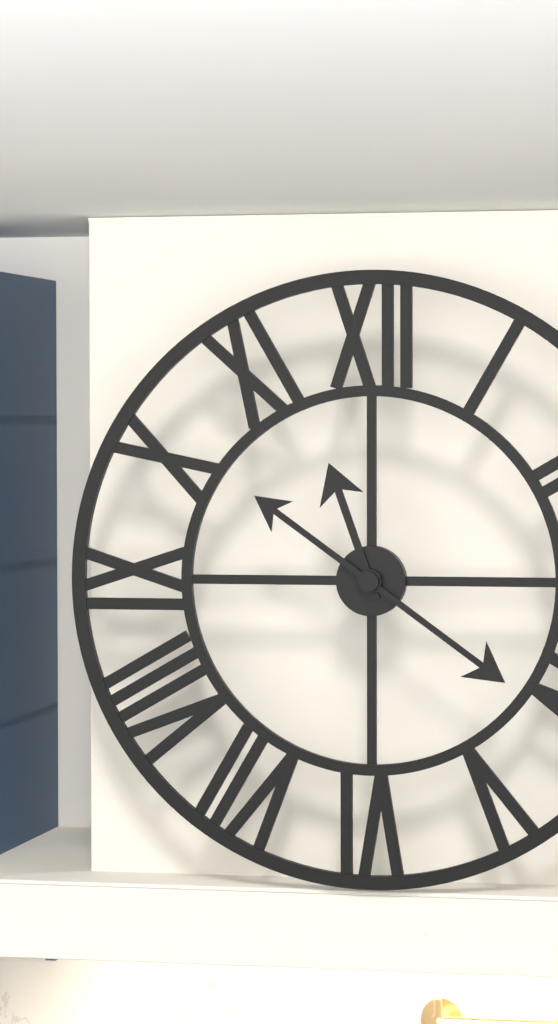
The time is {"hour": 11, "minute": 21}
